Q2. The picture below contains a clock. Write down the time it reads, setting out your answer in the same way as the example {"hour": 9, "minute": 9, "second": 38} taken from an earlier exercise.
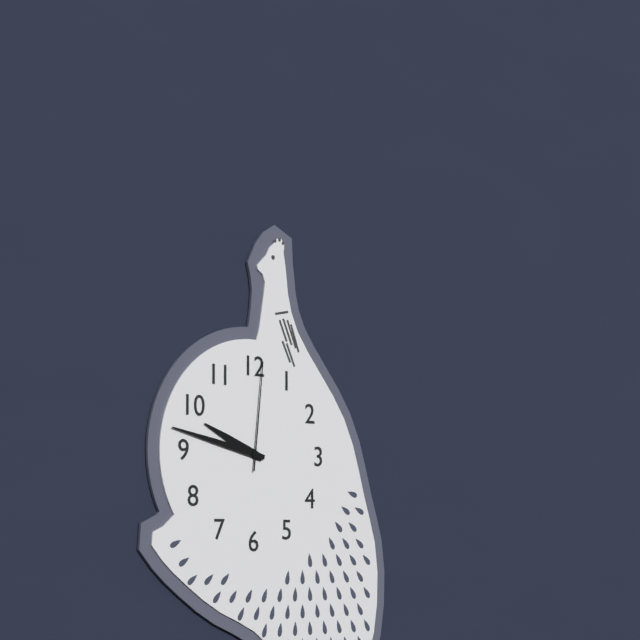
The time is {"hour": 9, "minute": 47, "second": 1}
